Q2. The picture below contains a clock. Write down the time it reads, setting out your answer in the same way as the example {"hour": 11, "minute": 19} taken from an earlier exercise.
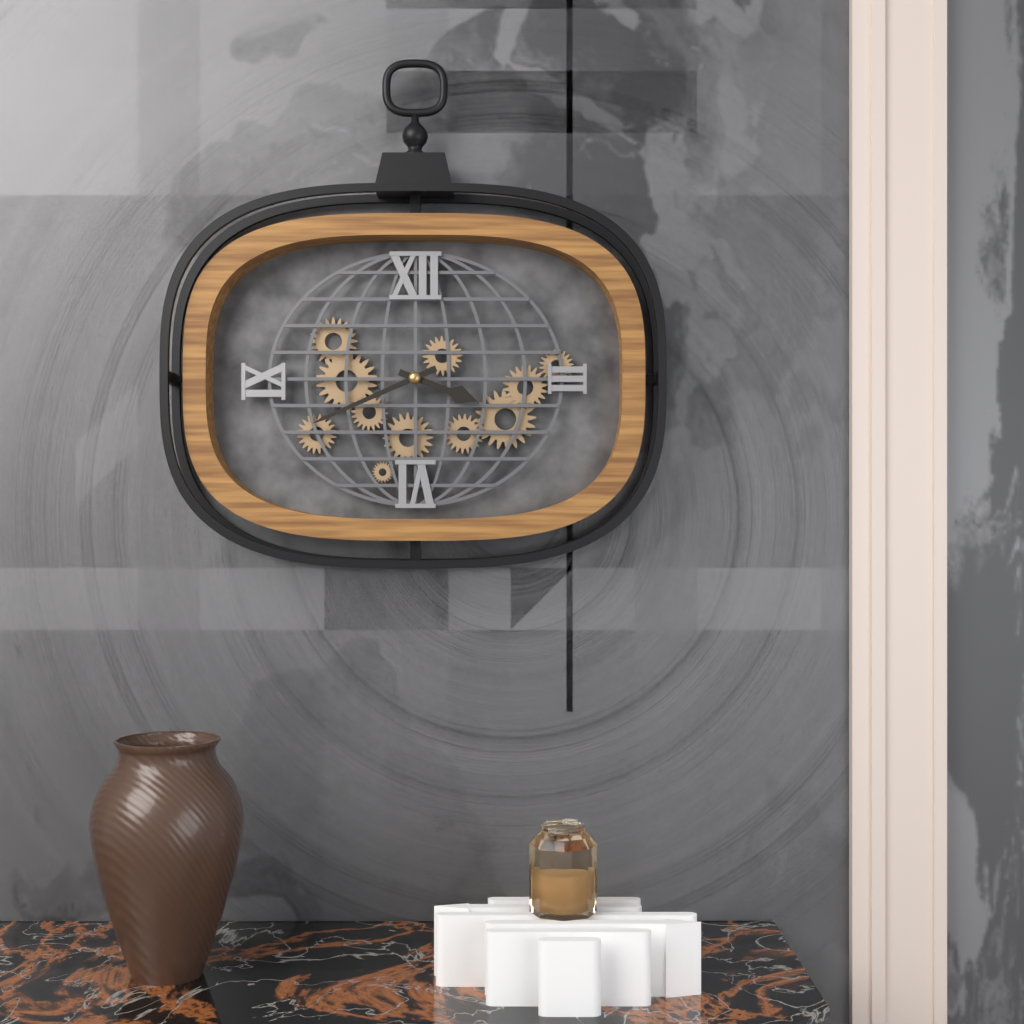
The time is {"hour": 3, "minute": 41}
